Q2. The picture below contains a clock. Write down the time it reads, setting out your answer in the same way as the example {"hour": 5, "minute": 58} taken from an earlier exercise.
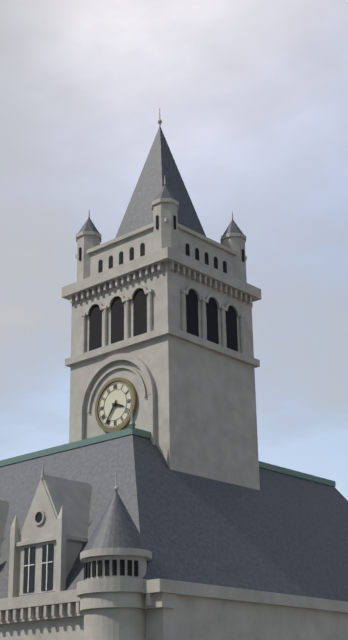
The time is {"hour": 3, "minute": 36}
